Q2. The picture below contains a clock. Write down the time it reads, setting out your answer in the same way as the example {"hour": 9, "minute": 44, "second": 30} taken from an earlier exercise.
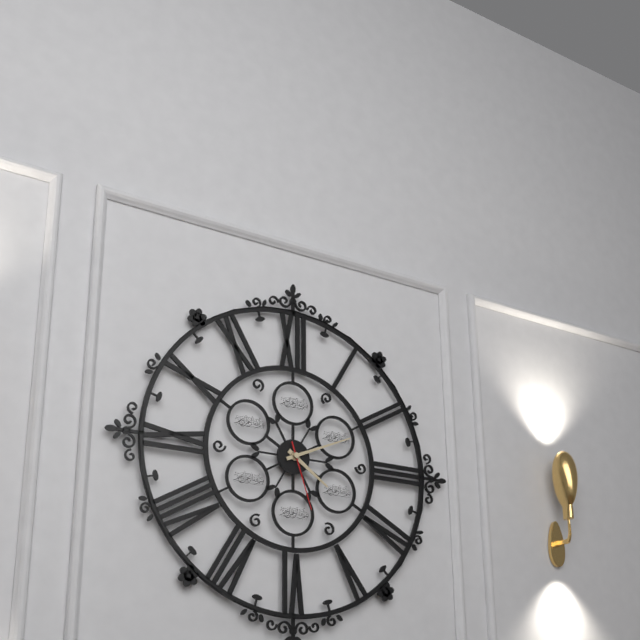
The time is {"hour": 4, "minute": 11, "second": 27}
